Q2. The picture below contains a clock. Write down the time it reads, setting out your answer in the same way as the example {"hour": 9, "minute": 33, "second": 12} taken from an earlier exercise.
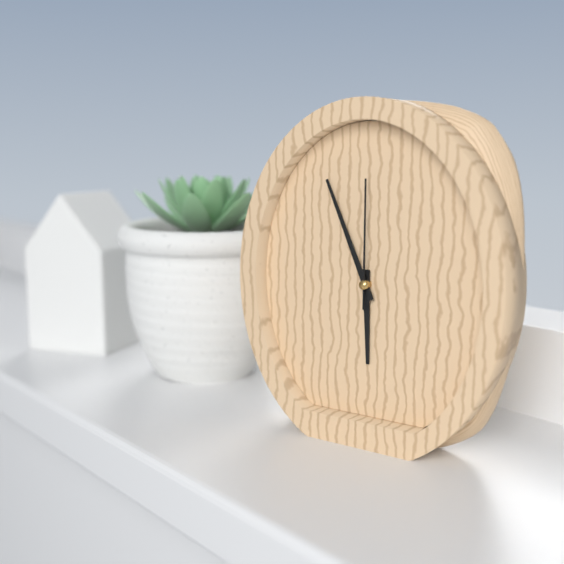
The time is {"hour": 5, "minute": 56, "second": 0}
